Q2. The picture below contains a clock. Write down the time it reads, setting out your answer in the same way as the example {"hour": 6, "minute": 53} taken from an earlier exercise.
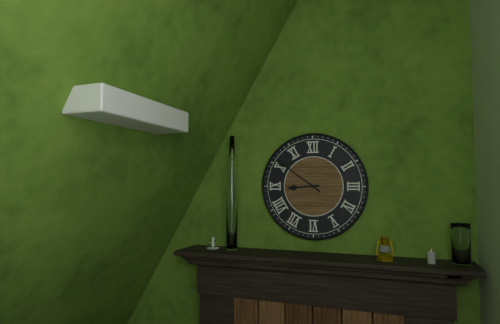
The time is {"hour": 8, "minute": 51}
